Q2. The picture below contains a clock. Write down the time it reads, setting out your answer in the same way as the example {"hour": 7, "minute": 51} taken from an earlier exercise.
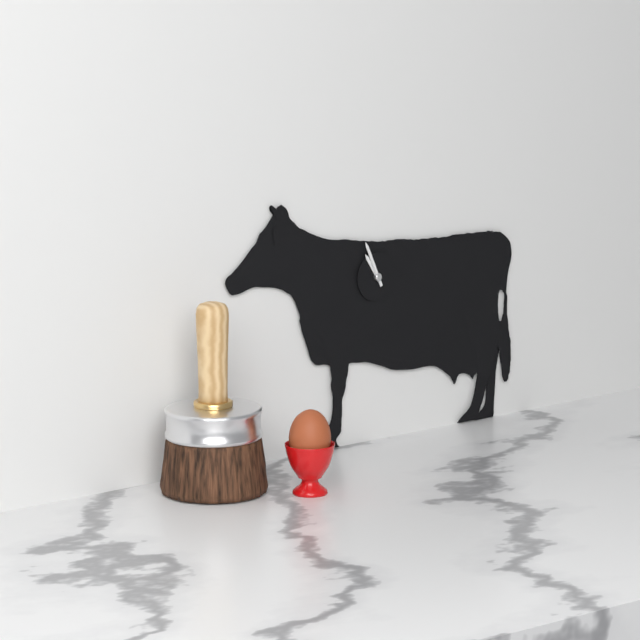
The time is {"hour": 10, "minute": 56}
